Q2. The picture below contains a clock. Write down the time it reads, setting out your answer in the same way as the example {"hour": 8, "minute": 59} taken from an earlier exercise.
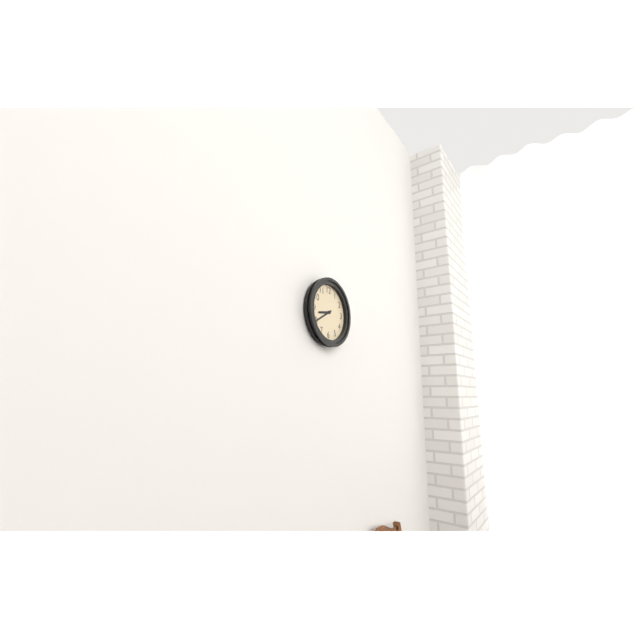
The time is {"hour": 8, "minute": 40}
